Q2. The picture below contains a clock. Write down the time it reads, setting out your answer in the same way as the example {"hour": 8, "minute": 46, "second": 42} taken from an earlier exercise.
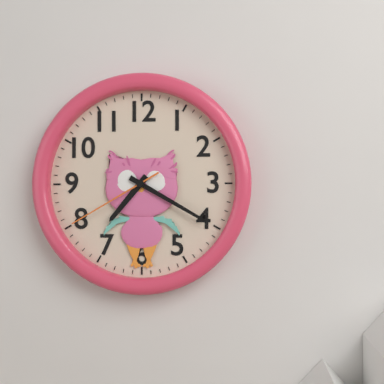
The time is {"hour": 7, "minute": 20, "second": 40}
